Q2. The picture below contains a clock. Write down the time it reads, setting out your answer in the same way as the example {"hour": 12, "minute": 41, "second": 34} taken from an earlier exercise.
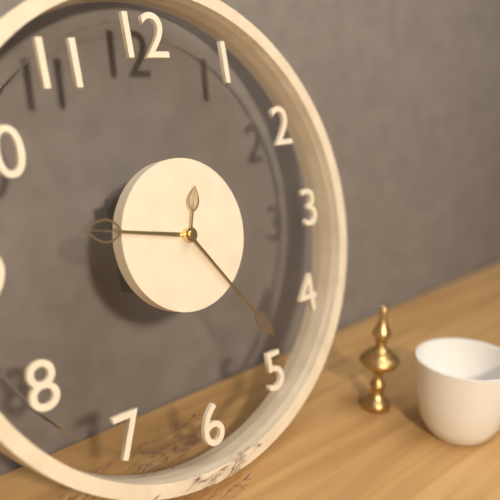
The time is {"hour": 9, "minute": 24, "second": 3}
